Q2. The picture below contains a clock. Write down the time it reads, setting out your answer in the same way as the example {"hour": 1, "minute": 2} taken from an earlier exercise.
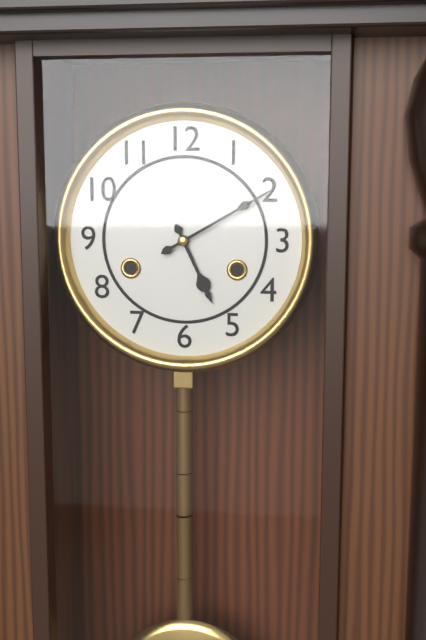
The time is {"hour": 5, "minute": 10}
